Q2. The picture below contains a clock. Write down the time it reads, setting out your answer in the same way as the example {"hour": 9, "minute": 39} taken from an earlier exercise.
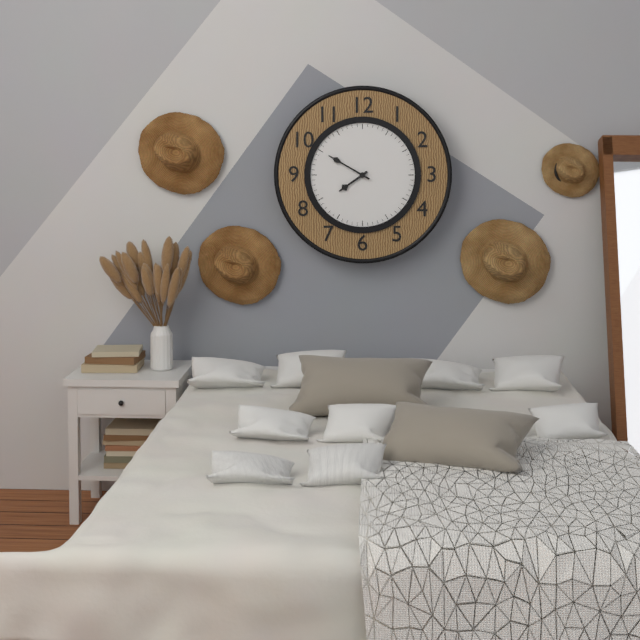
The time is {"hour": 7, "minute": 50}
